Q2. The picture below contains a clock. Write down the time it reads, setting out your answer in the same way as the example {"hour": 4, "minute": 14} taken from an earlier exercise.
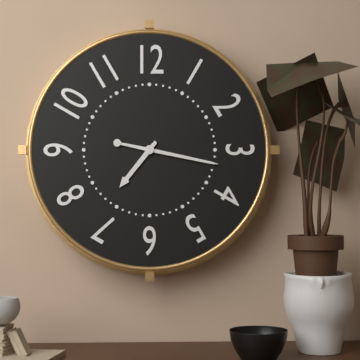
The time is {"hour": 7, "minute": 17}
